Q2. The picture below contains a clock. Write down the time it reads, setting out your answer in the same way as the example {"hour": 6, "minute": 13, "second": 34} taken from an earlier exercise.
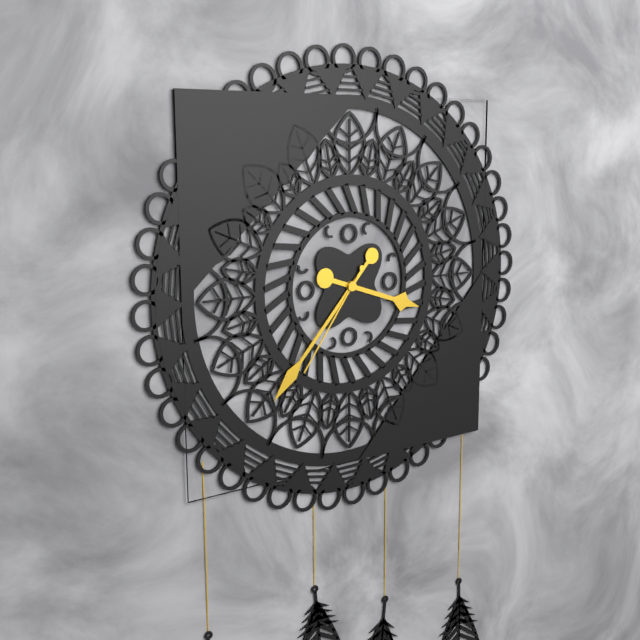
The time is {"hour": 3, "minute": 37, "second": 36}
